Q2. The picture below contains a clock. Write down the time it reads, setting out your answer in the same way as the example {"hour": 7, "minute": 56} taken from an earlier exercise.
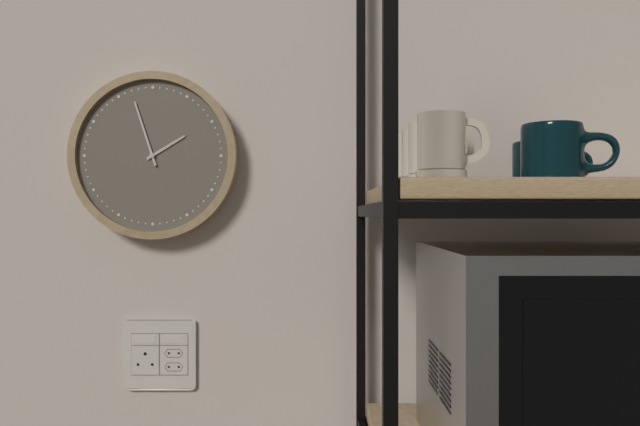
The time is {"hour": 1, "minute": 57}
